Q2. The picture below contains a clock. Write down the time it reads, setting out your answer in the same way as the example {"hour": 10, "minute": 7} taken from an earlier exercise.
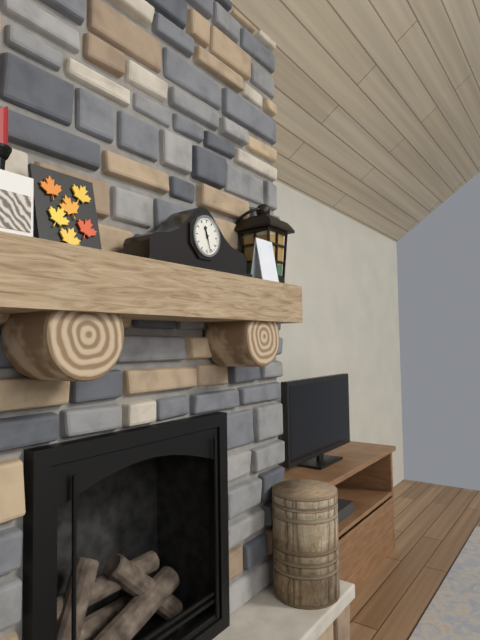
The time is {"hour": 11, "minute": 27}
